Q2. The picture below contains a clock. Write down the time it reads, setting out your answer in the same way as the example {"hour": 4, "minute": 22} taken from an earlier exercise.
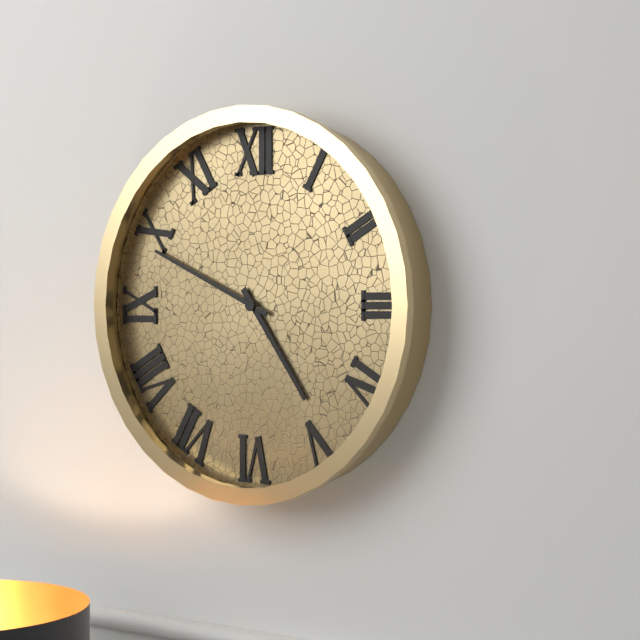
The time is {"hour": 4, "minute": 49}
